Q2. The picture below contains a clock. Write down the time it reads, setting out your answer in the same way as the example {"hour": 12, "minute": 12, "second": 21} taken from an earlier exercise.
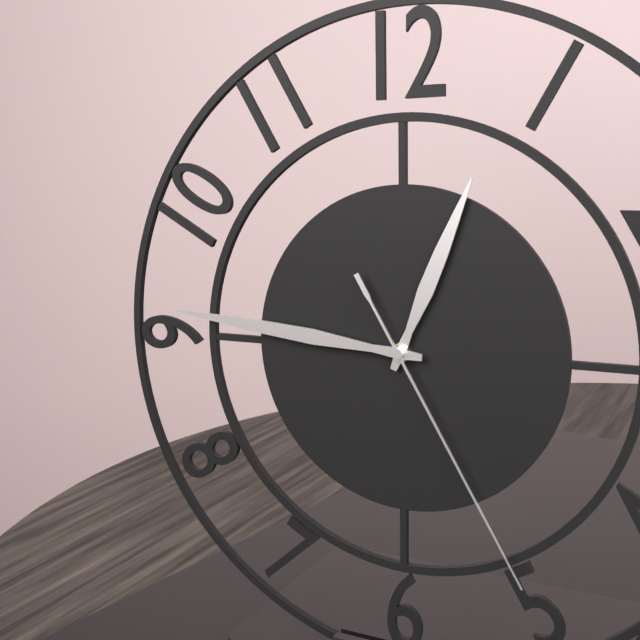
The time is {"hour": 12, "minute": 46, "second": 25}
